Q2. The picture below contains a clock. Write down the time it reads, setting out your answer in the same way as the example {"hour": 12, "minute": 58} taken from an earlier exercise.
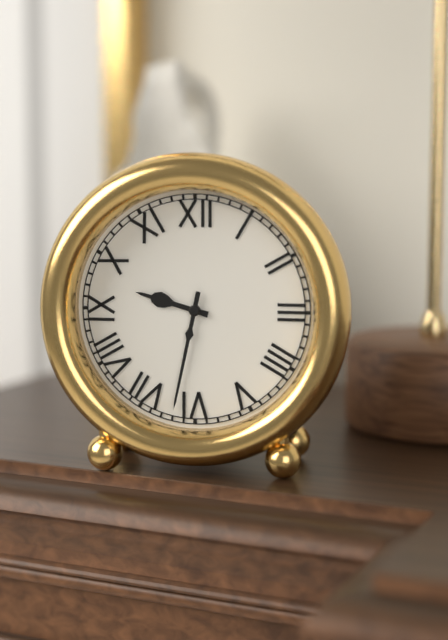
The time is {"hour": 9, "minute": 32}
